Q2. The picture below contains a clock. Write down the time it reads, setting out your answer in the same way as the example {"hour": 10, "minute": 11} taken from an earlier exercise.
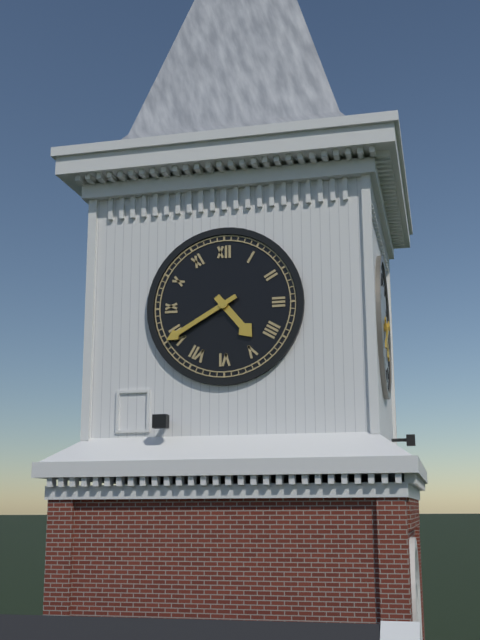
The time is {"hour": 4, "minute": 40}
